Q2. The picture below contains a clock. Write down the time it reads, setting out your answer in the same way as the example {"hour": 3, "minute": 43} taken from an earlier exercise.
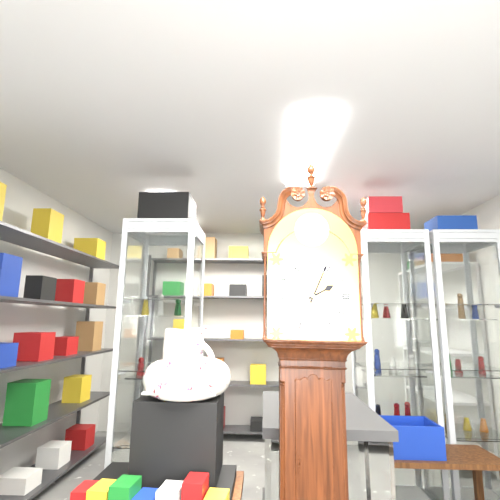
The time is {"hour": 2, "minute": 4}
